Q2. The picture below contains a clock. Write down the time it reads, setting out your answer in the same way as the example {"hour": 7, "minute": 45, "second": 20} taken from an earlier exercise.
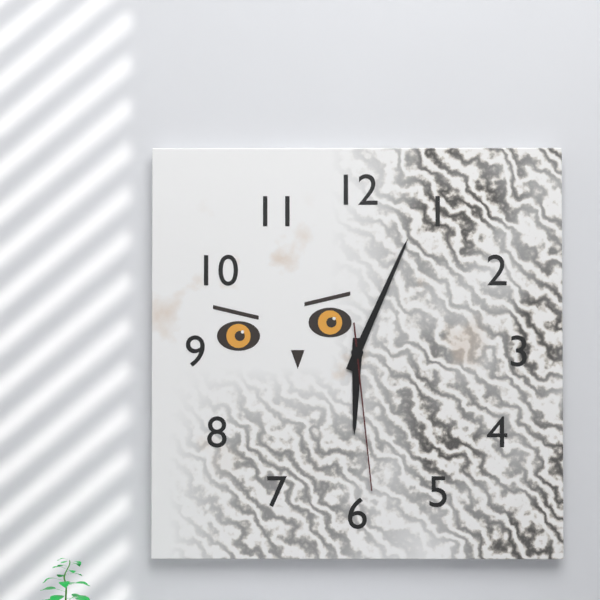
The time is {"hour": 6, "minute": 4, "second": 29}
